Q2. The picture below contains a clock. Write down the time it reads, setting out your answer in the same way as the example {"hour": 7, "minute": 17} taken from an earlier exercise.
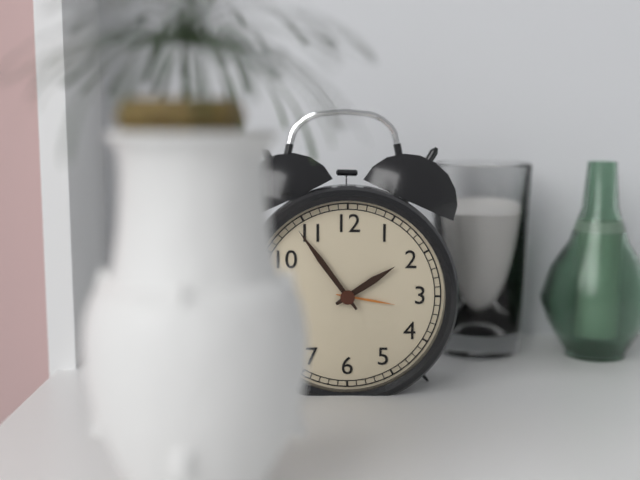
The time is {"hour": 1, "minute": 54}
